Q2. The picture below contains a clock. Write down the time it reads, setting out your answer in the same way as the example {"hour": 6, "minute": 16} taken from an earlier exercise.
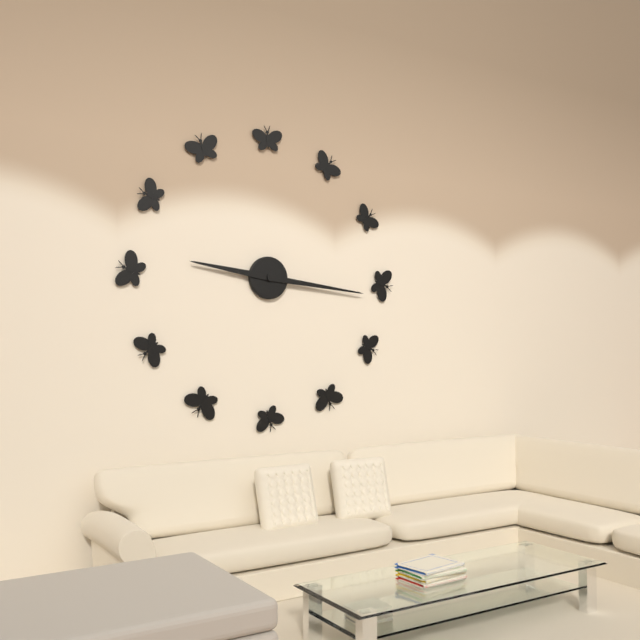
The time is {"hour": 9, "minute": 16}
